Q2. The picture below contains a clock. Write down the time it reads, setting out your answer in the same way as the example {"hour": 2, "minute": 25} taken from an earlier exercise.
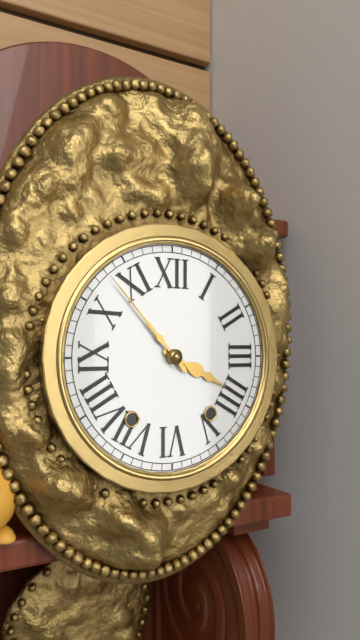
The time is {"hour": 3, "minute": 53}
